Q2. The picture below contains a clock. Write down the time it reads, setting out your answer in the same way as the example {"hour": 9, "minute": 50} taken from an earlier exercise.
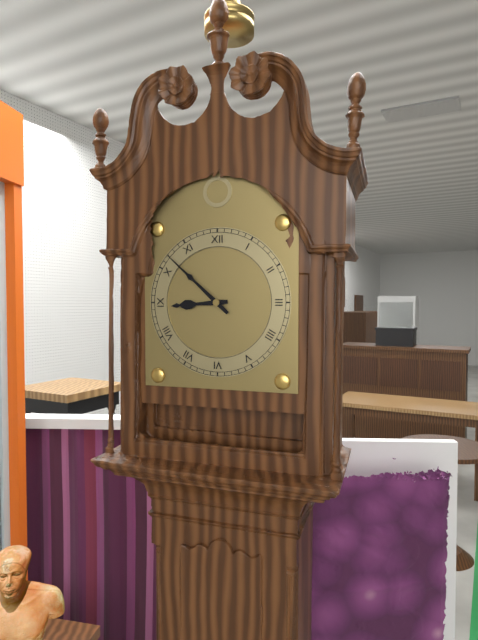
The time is {"hour": 8, "minute": 52}
